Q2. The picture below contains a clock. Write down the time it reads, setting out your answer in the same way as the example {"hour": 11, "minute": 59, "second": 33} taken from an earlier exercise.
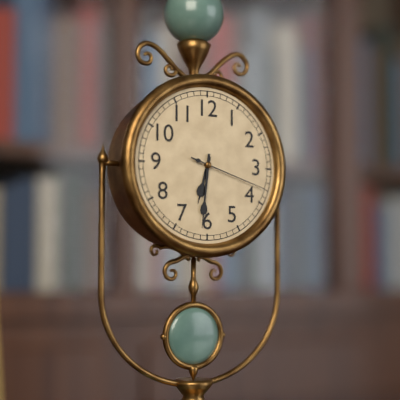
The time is {"hour": 6, "minute": 31, "second": 18}
